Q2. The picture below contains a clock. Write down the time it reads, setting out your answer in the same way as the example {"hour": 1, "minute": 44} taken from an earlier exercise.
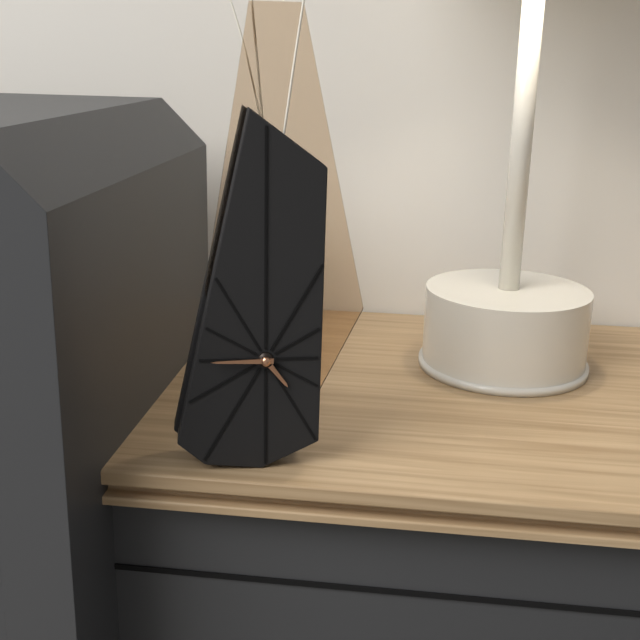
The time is {"hour": 4, "minute": 45}
